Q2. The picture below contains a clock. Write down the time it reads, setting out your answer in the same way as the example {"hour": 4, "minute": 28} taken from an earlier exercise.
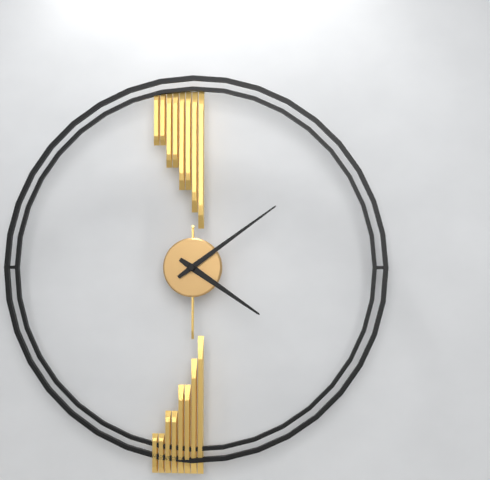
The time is {"hour": 4, "minute": 9}
